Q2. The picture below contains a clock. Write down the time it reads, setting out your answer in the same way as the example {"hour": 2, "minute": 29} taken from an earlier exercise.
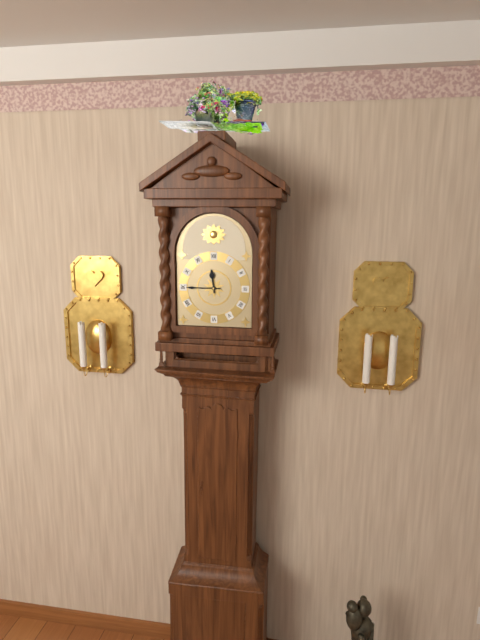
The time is {"hour": 11, "minute": 45}
